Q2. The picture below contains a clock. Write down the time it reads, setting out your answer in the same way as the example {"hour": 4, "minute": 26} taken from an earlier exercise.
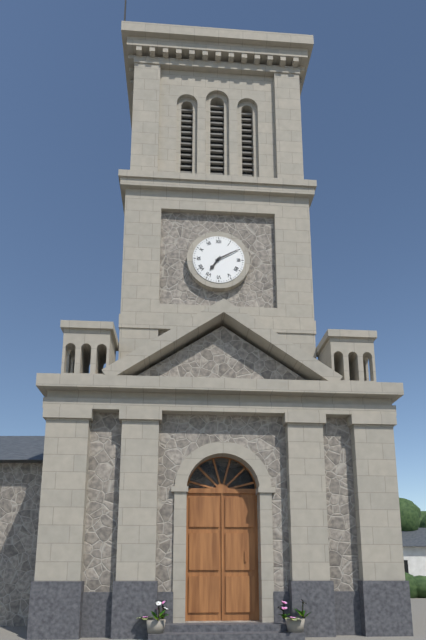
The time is {"hour": 7, "minute": 10}
